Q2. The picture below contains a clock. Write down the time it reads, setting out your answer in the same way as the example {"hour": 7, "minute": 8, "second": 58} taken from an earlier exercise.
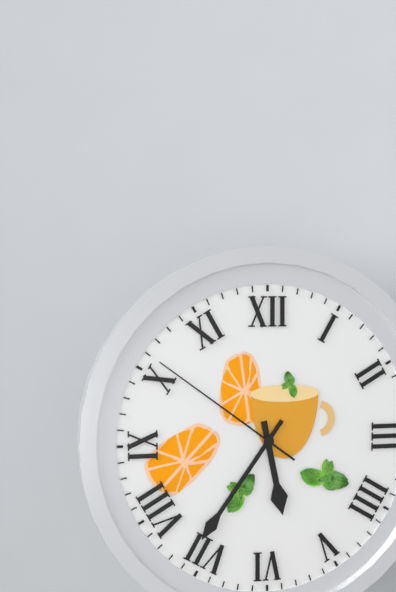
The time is {"hour": 5, "minute": 36, "second": 51}
